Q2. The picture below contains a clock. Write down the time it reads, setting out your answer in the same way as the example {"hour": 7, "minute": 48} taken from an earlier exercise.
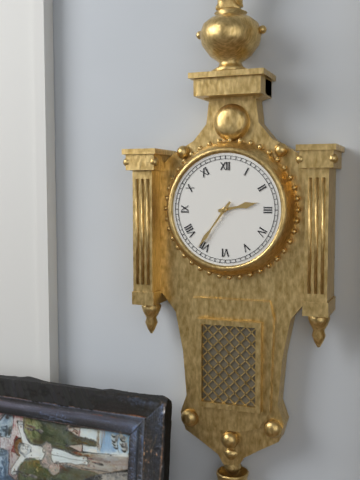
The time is {"hour": 2, "minute": 36}
